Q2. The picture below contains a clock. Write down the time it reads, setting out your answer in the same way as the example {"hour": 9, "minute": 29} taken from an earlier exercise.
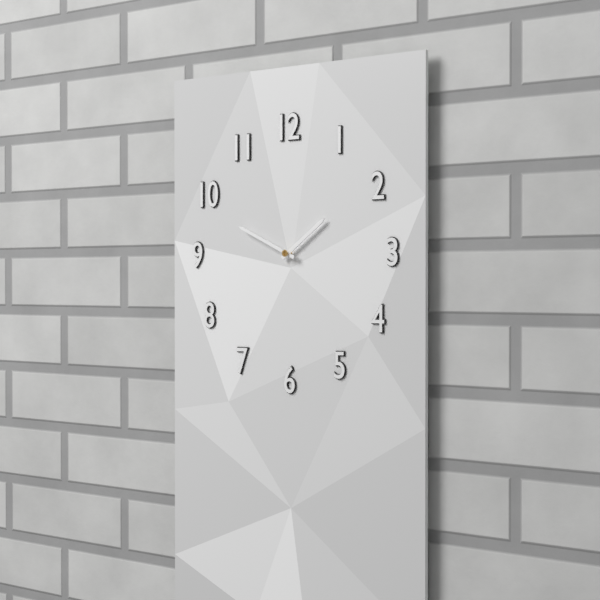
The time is {"hour": 1, "minute": 49}
